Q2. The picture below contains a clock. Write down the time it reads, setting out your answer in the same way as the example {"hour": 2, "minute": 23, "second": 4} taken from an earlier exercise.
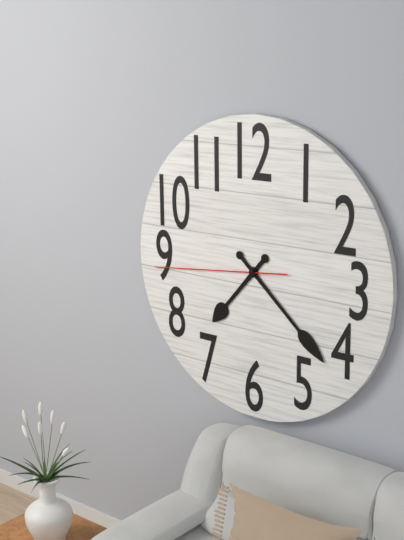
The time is {"hour": 7, "minute": 22, "second": 44}
